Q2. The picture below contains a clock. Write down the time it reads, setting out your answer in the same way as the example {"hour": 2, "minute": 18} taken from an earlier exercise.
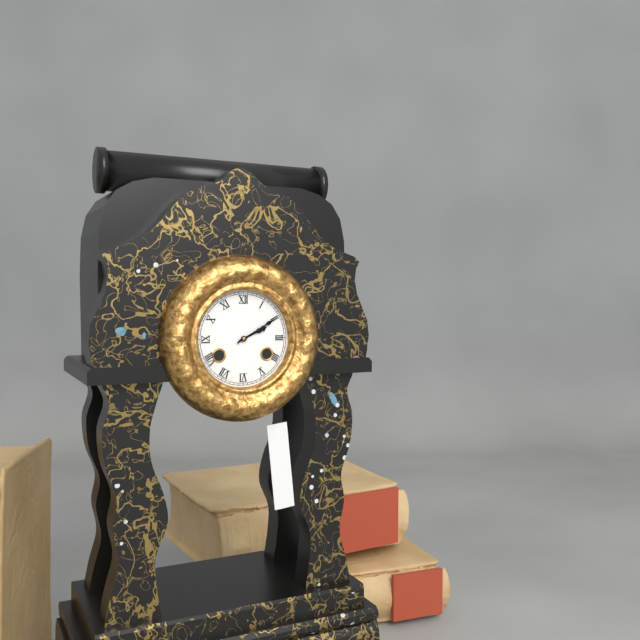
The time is {"hour": 2, "minute": 10}
